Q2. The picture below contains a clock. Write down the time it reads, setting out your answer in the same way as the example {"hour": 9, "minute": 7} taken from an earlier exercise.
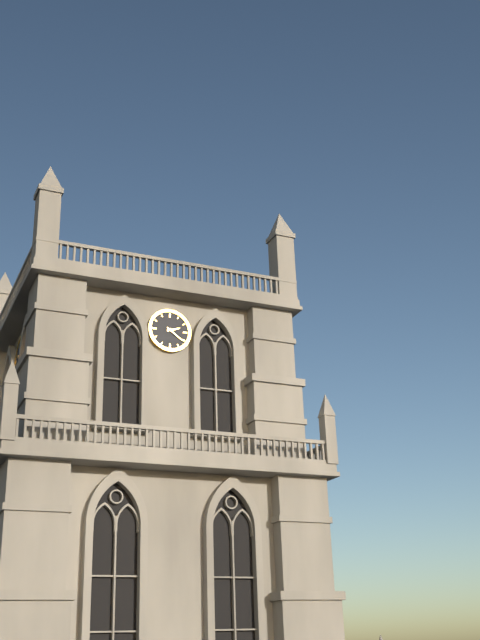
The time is {"hour": 2, "minute": 21}
